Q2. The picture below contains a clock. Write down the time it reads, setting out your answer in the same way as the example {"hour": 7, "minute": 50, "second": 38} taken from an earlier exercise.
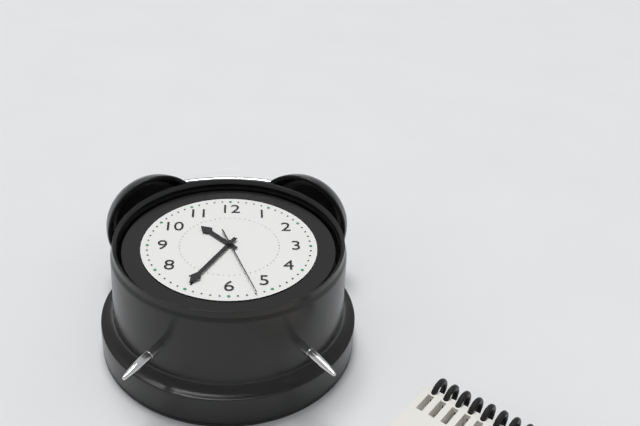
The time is {"hour": 10, "minute": 35, "second": 27}
